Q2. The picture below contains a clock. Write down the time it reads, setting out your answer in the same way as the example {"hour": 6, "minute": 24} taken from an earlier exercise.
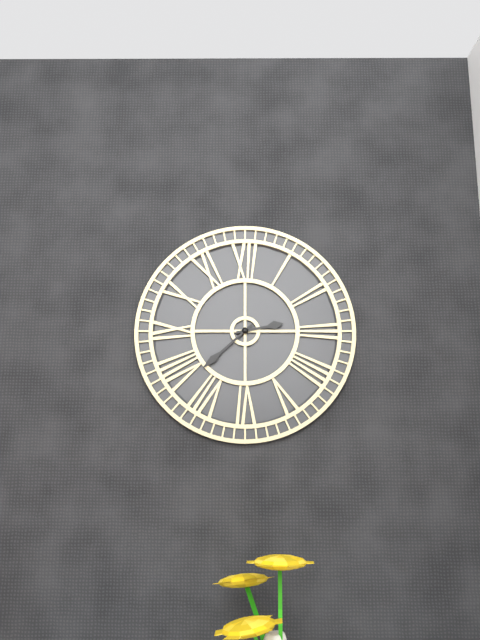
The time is {"hour": 2, "minute": 38}
